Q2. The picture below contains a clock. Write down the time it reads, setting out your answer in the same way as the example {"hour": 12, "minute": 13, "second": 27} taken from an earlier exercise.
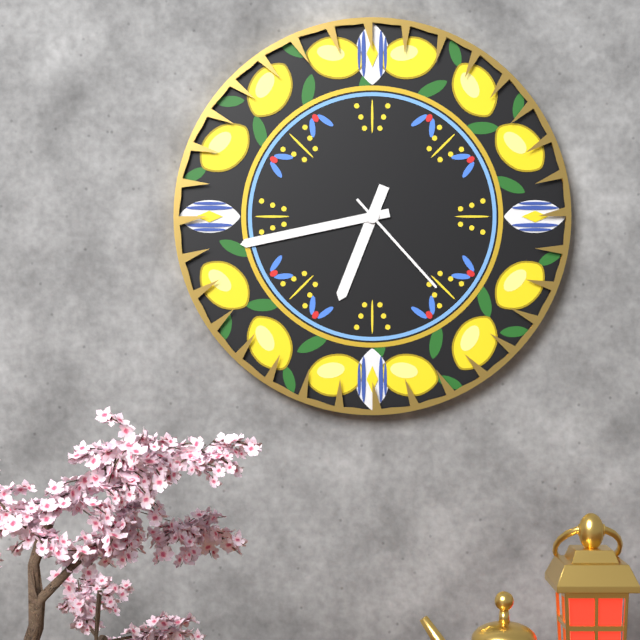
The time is {"hour": 6, "minute": 43, "second": 23}
